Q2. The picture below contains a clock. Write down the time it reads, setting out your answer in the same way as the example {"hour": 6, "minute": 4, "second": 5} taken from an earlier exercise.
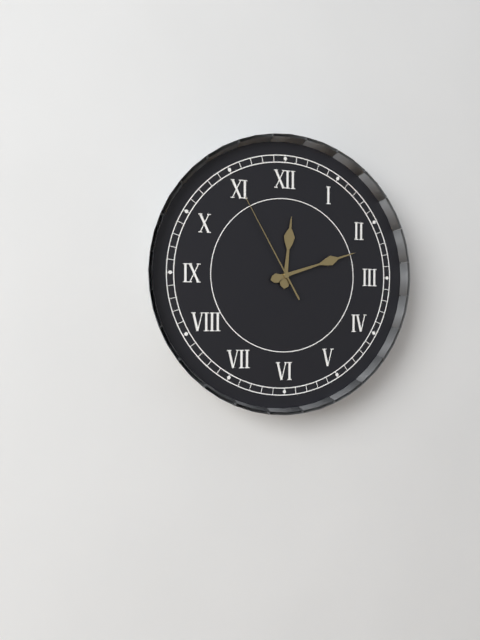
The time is {"hour": 12, "minute": 12, "second": 55}
